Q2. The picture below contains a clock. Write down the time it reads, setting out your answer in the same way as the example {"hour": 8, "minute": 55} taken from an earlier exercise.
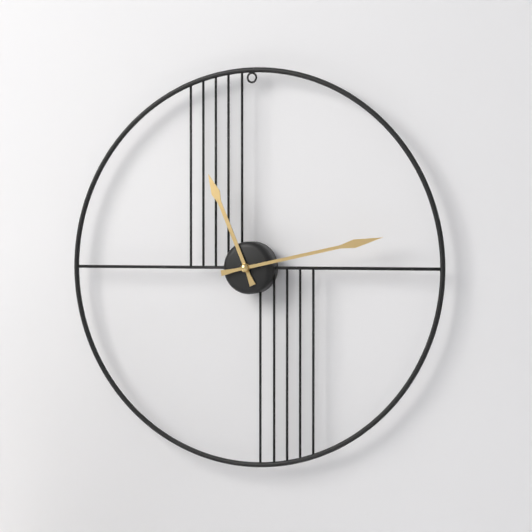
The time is {"hour": 11, "minute": 13}
